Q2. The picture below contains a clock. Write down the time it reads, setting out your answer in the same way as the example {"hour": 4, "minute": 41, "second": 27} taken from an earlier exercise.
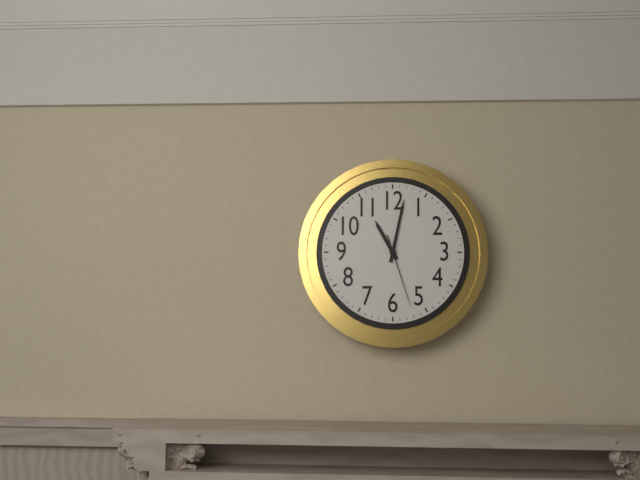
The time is {"hour": 11, "minute": 2, "second": 27}
